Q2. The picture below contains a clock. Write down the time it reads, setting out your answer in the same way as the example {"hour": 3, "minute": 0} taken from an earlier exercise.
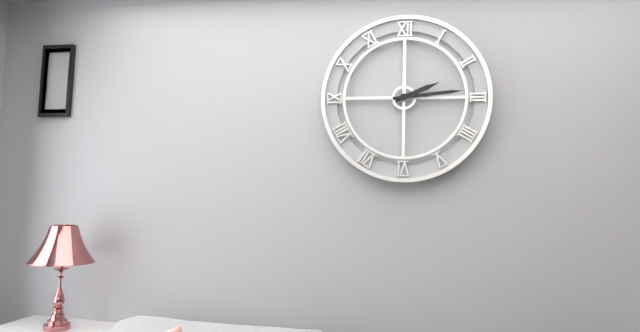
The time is {"hour": 2, "minute": 14}
